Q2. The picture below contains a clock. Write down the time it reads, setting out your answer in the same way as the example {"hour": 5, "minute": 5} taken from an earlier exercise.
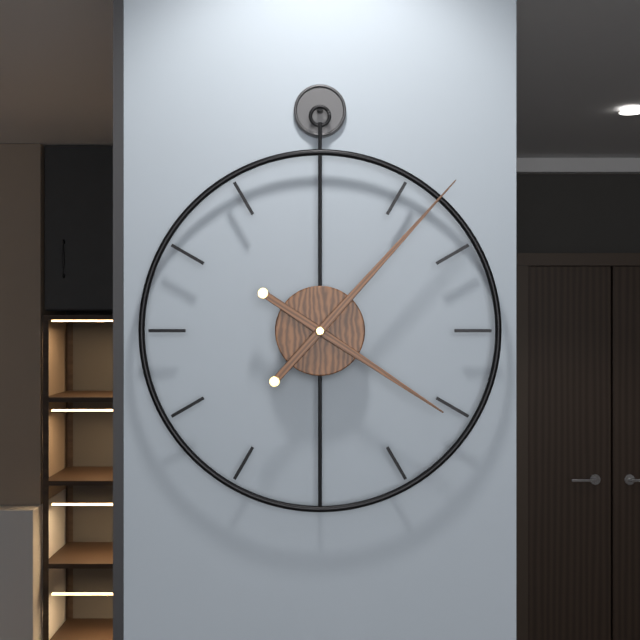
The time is {"hour": 4, "minute": 7}
